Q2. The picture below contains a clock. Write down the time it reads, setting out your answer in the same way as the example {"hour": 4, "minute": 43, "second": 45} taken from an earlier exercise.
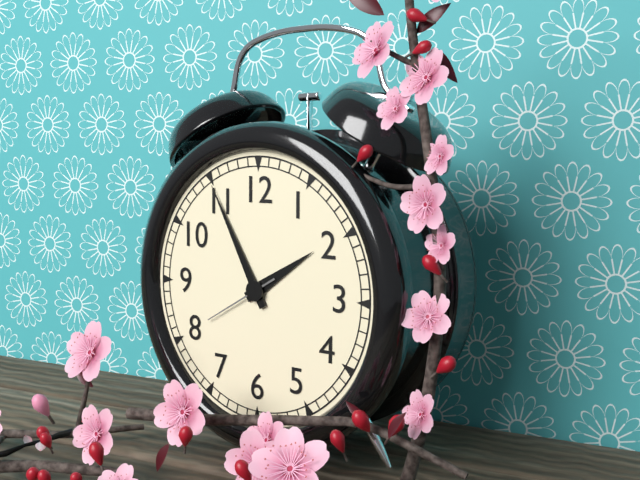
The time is {"hour": 1, "minute": 55, "second": 40}
